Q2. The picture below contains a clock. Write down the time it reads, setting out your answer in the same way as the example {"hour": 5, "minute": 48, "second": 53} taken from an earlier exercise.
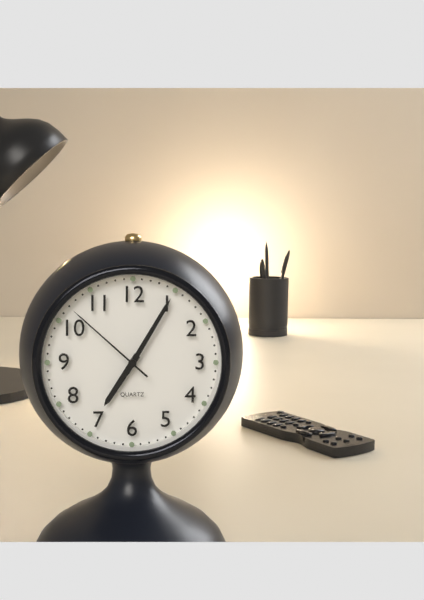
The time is {"hour": 7, "minute": 5, "second": 52}
